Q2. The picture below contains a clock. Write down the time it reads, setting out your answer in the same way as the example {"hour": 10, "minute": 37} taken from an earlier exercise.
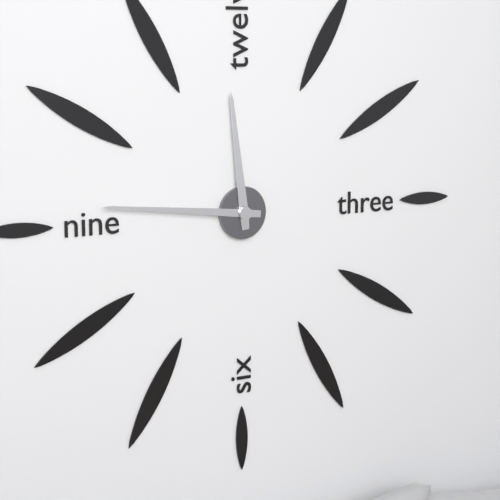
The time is {"hour": 11, "minute": 46}
